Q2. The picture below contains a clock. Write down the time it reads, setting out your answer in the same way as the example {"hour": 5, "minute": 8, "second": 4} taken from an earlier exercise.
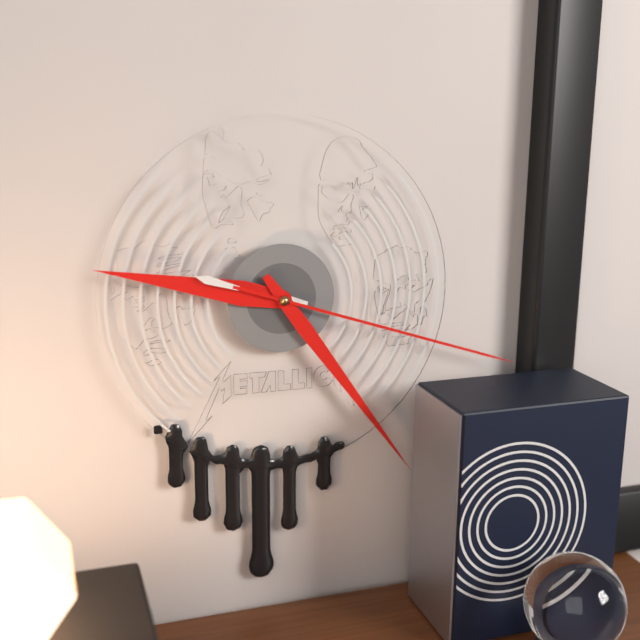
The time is {"hour": 9, "minute": 24, "second": 18}
